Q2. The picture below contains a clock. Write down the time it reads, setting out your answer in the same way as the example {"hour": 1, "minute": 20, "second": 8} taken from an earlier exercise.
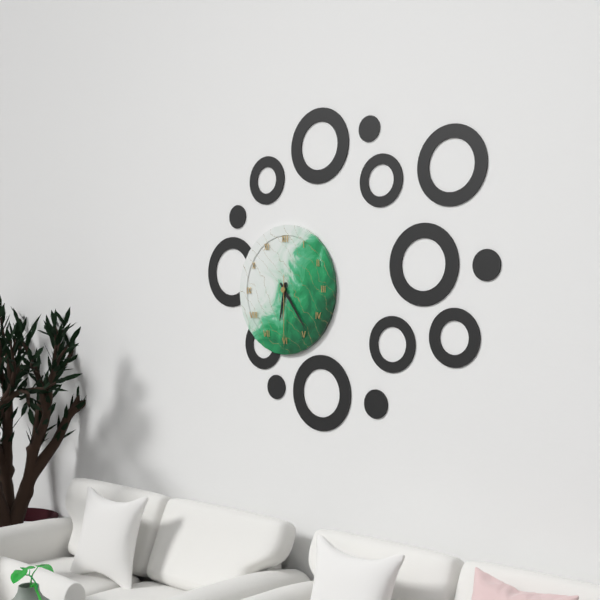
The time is {"hour": 6, "minute": 24, "second": 30}
